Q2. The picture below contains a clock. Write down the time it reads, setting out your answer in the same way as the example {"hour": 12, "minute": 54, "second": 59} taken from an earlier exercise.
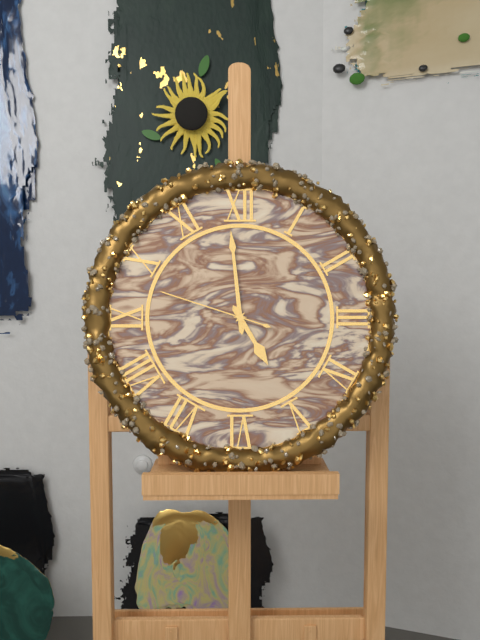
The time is {"hour": 4, "minute": 59, "second": 48}
